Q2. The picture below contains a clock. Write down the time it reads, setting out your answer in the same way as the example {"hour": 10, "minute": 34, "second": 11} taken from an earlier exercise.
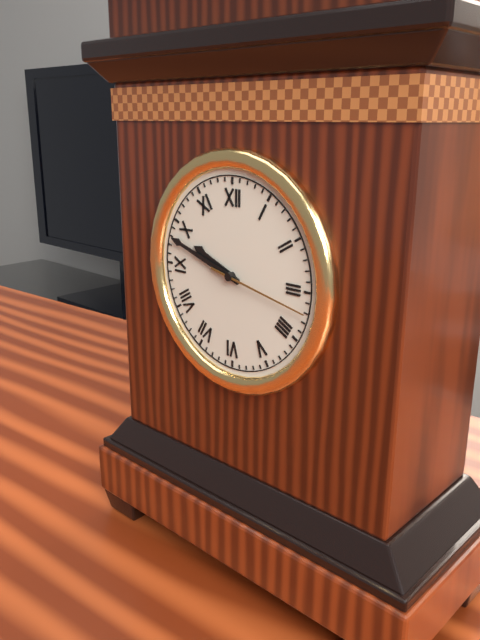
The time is {"hour": 9, "minute": 48, "second": 17}
